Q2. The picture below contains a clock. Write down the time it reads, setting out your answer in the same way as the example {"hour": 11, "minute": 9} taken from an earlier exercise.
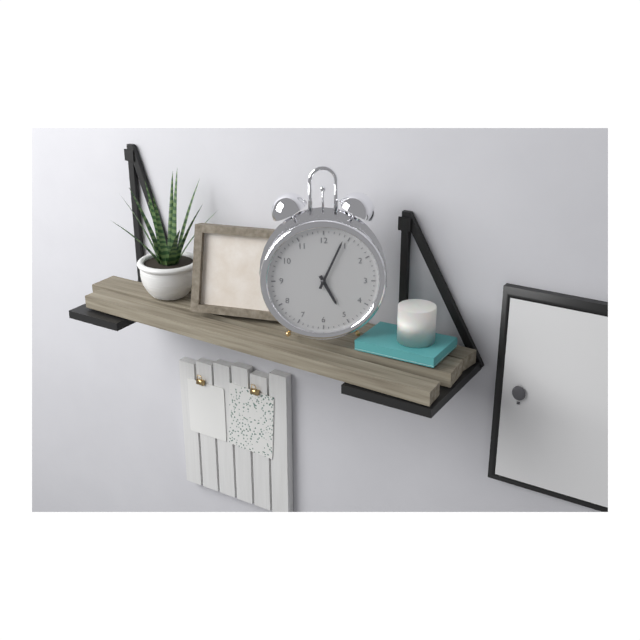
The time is {"hour": 5, "minute": 4}
